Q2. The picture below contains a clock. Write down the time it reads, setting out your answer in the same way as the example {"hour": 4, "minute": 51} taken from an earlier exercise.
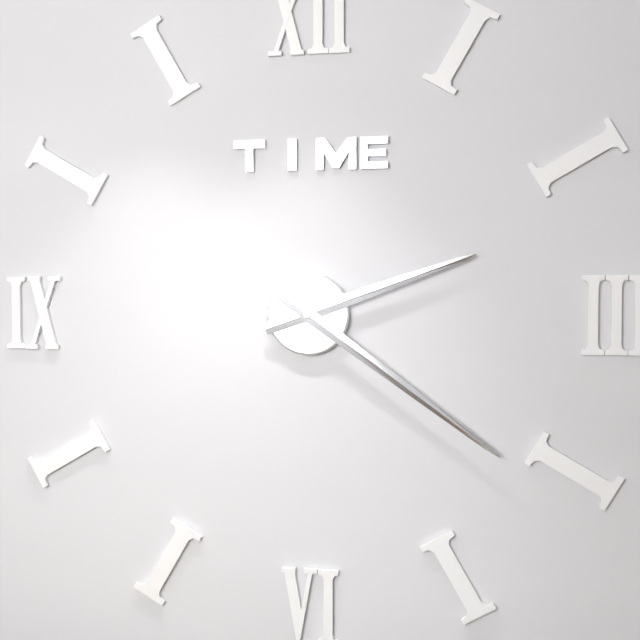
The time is {"hour": 2, "minute": 21}
